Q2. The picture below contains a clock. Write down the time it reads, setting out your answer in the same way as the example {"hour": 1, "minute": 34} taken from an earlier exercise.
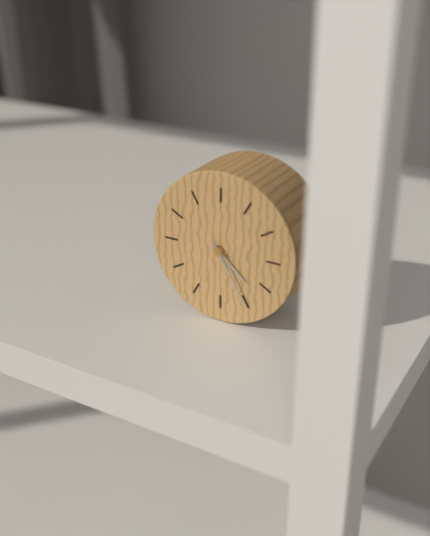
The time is {"hour": 4, "minute": 25}
